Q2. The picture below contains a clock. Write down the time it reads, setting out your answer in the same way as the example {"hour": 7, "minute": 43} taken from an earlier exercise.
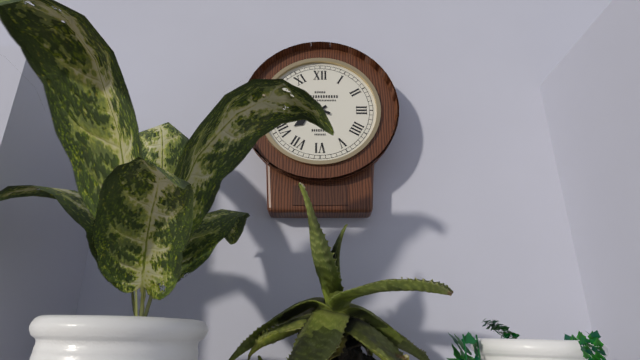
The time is {"hour": 7, "minute": 49}
